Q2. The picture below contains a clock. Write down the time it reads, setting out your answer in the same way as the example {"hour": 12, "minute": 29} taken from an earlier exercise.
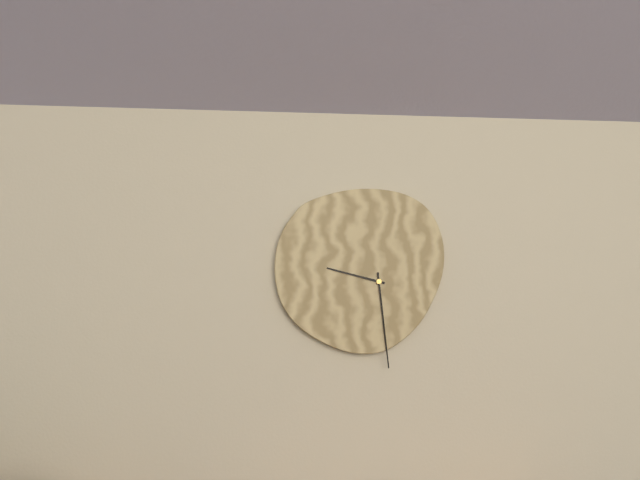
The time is {"hour": 9, "minute": 29}
